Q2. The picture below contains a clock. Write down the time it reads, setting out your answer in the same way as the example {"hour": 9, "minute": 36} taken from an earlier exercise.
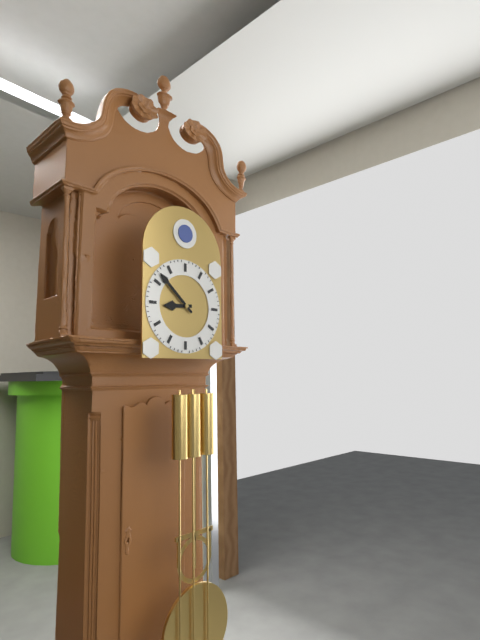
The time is {"hour": 8, "minute": 52}
